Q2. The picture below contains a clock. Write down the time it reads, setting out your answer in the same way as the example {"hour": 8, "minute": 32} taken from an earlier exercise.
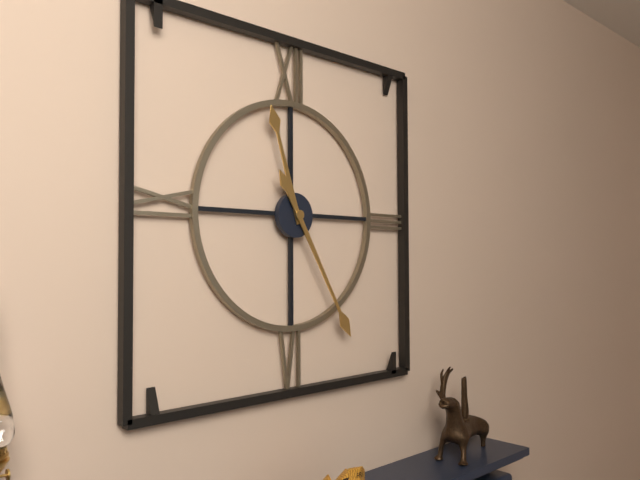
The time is {"hour": 11, "minute": 25}
